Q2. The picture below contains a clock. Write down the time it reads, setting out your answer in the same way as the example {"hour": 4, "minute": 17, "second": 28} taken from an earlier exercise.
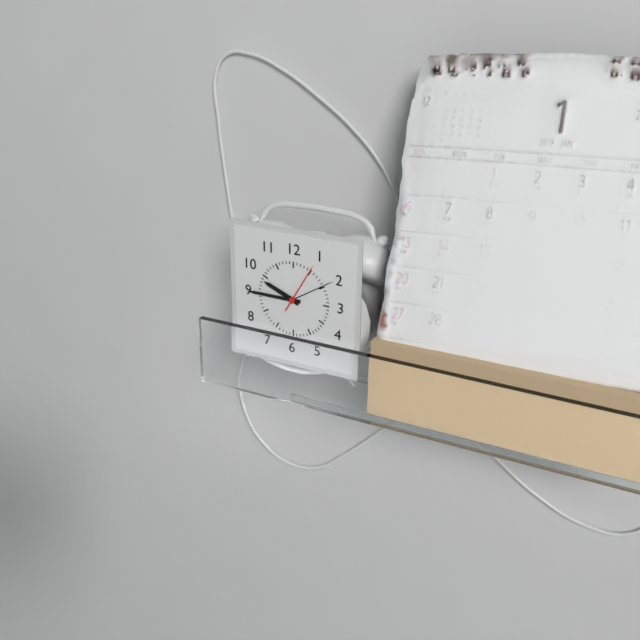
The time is {"hour": 9, "minute": 45, "second": 5}
